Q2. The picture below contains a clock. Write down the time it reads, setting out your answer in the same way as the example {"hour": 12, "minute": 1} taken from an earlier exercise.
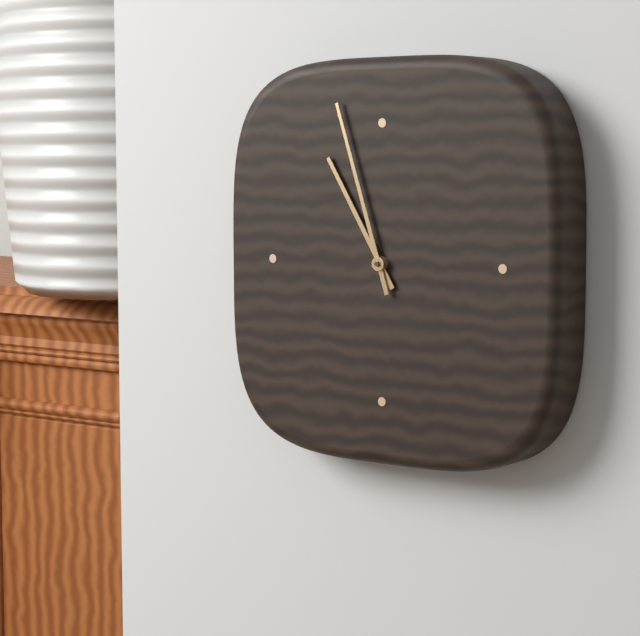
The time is {"hour": 10, "minute": 57}
